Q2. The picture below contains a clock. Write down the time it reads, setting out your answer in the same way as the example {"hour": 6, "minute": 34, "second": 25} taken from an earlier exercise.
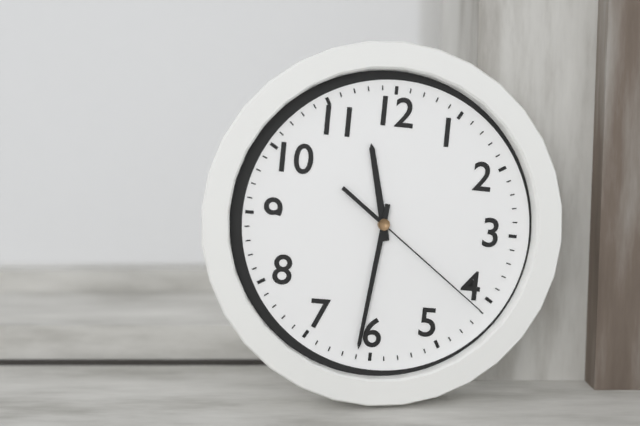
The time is {"hour": 11, "minute": 31, "second": 21}
